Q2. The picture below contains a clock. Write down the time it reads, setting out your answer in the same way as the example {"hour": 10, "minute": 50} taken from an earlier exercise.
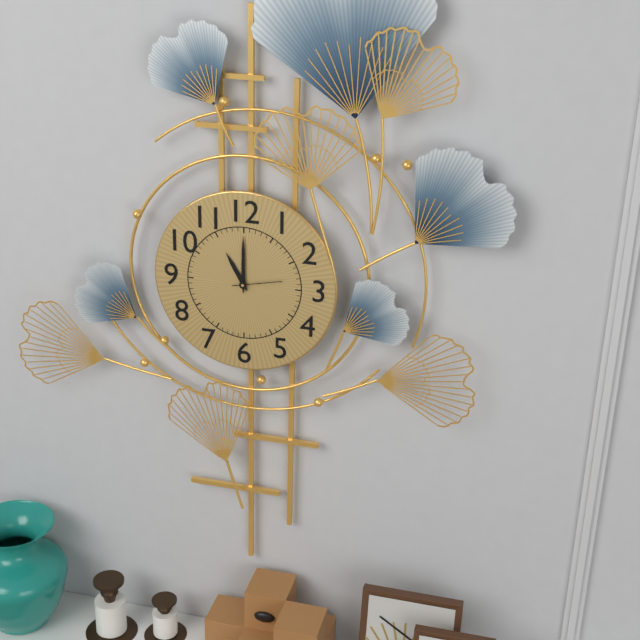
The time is {"hour": 11, "minute": 0}
